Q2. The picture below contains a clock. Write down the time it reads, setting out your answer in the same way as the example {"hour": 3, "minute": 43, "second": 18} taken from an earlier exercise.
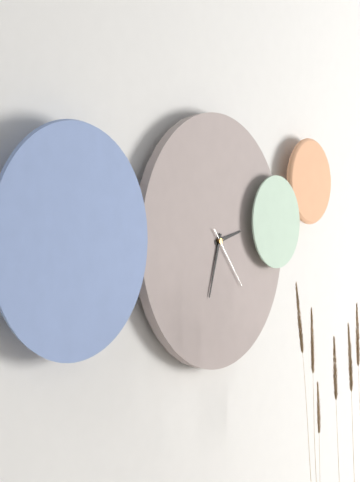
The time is {"hour": 2, "minute": 33, "second": 23}
